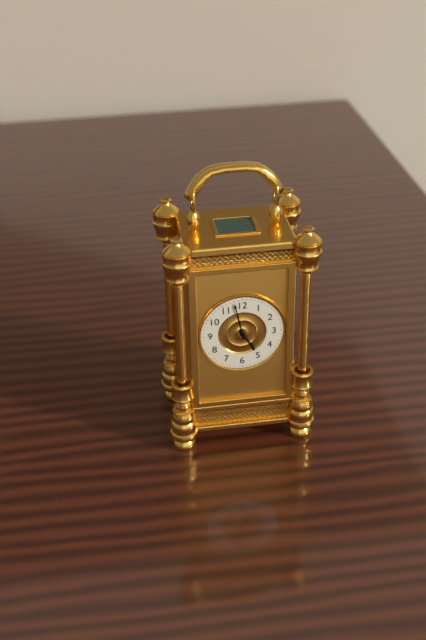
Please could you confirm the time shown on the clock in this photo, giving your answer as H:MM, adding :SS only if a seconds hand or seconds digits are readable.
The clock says 4:58
